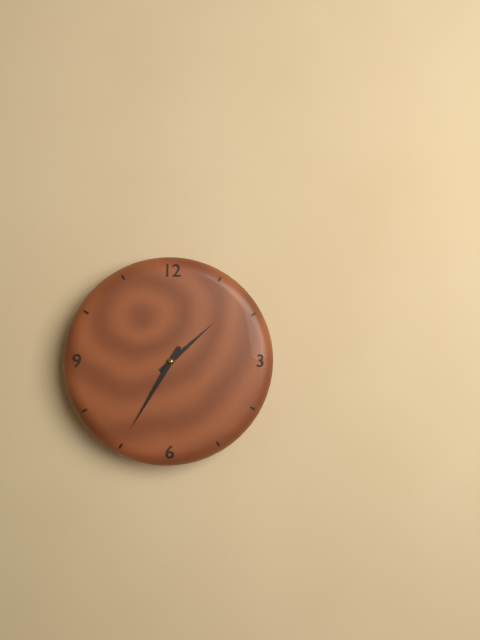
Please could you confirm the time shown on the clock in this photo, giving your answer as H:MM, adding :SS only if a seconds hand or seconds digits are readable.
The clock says 1:35
